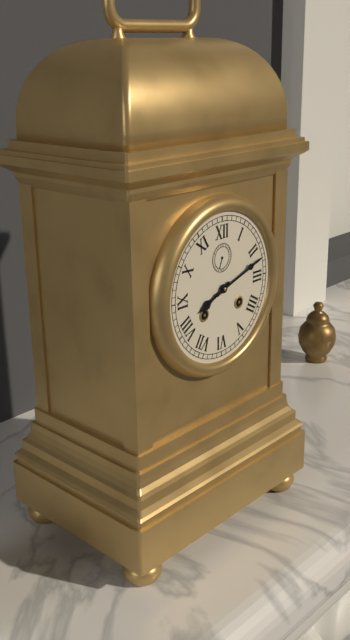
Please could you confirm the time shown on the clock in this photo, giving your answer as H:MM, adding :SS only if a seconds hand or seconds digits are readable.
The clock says 8:12
